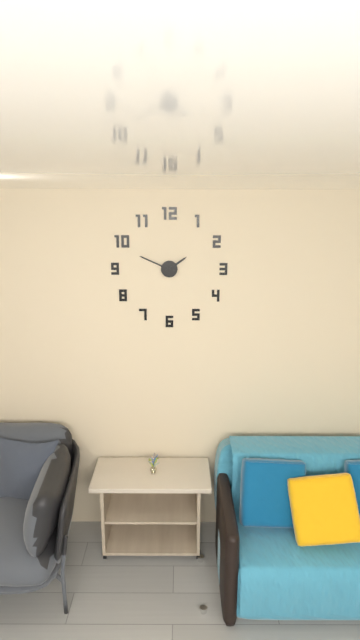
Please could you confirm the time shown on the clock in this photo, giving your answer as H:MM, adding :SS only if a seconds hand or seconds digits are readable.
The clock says 1:49
